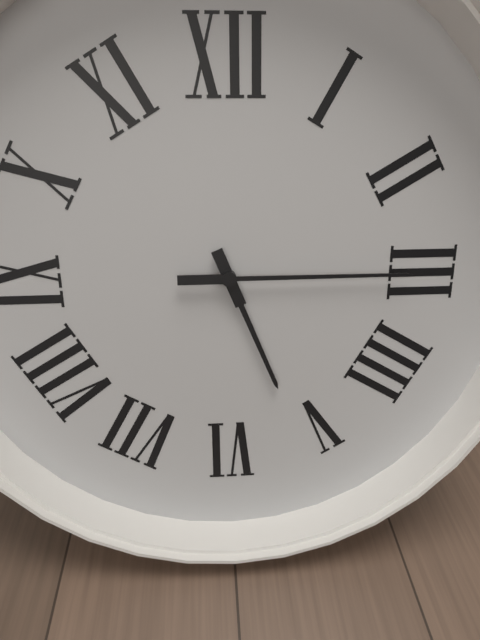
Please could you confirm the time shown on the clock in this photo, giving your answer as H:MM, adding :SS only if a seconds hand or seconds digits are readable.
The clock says 5:15
